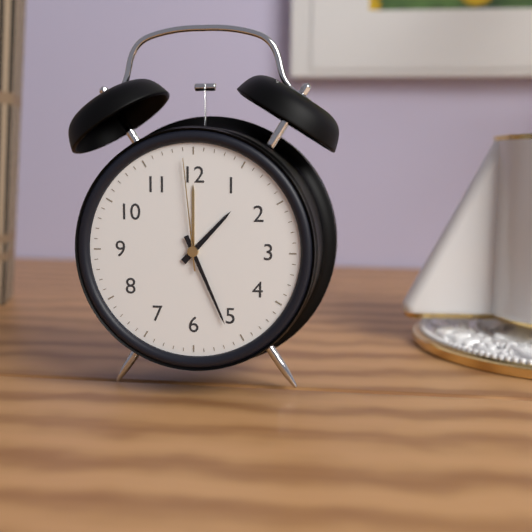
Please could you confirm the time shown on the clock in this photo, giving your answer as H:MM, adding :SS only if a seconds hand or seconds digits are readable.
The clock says 1:26:59
